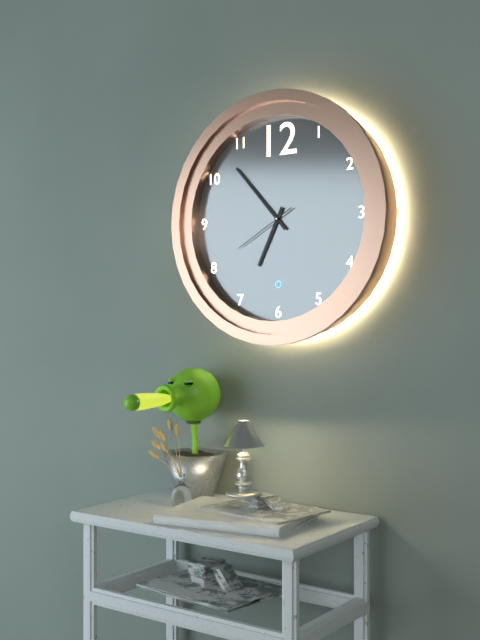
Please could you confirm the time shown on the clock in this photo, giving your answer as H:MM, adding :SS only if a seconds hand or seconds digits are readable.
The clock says 6:53:40
